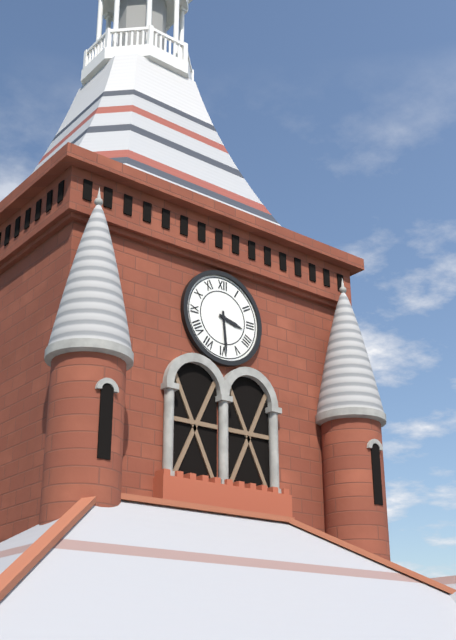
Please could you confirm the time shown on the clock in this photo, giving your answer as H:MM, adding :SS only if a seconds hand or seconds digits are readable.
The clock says 3:29
